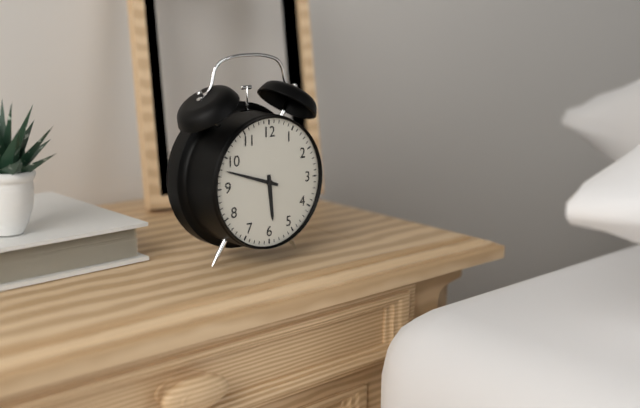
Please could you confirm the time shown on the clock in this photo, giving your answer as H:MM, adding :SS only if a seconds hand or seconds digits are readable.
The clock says 5:48
